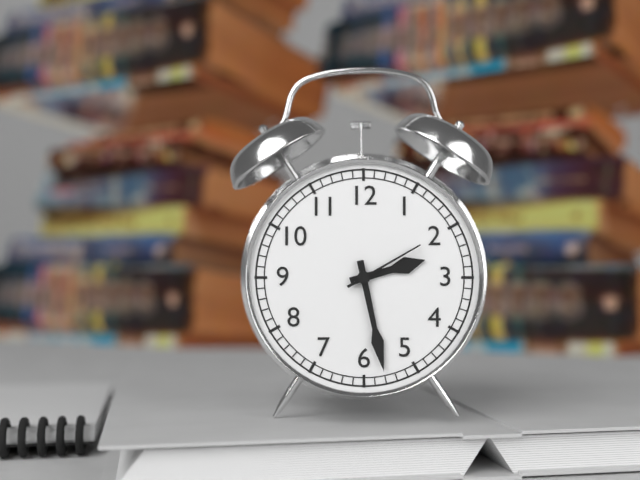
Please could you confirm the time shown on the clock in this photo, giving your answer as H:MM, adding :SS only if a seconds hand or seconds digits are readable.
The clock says 2:28:10
